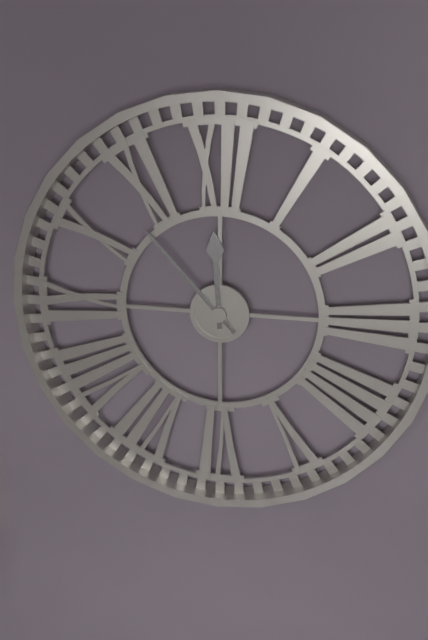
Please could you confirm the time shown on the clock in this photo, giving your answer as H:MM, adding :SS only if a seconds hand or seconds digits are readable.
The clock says 11:53
